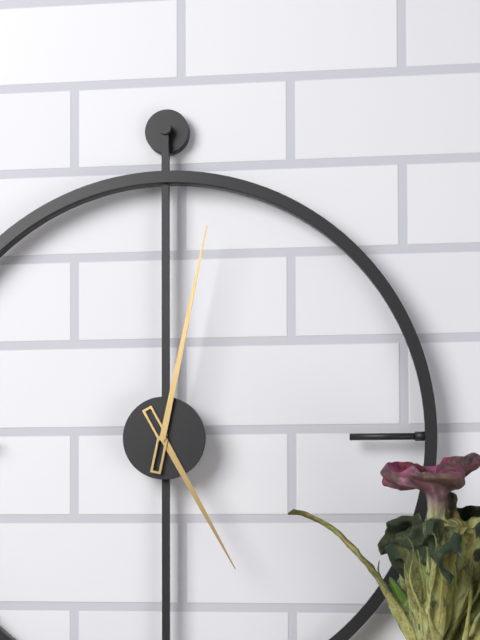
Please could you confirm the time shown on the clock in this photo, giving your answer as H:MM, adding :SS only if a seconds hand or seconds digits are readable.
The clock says 5:02
